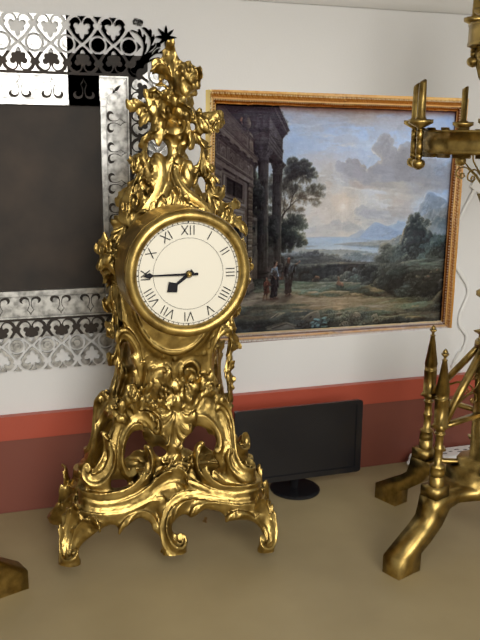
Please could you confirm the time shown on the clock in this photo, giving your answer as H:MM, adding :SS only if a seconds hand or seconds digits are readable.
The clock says 7:45
